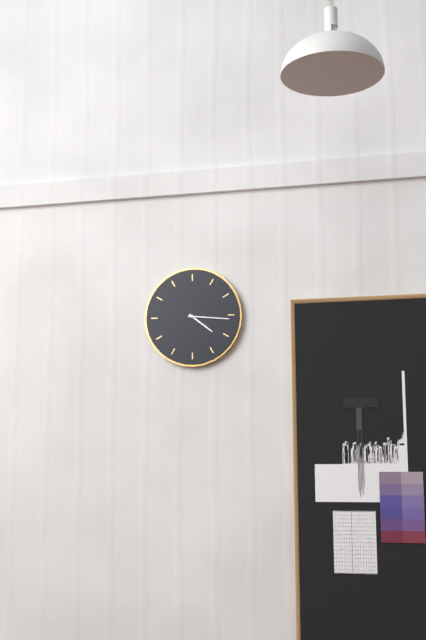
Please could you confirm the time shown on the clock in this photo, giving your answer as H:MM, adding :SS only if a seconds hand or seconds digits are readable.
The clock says 4:16
